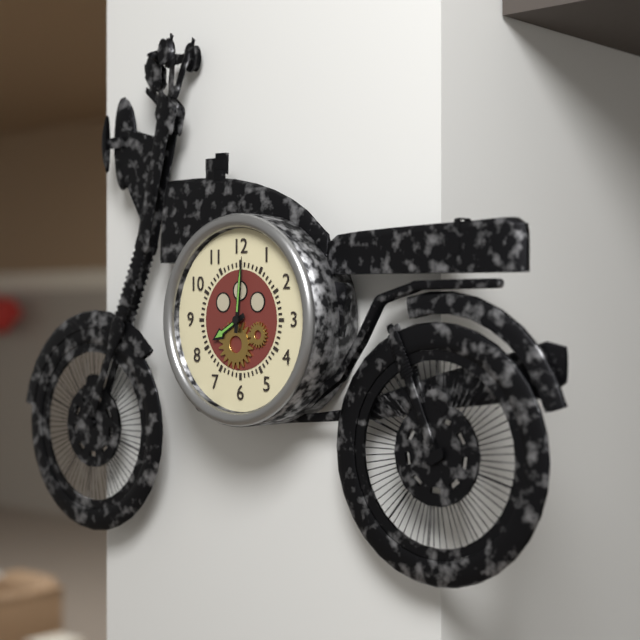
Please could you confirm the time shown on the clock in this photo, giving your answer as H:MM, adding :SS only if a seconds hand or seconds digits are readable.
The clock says 8:01
